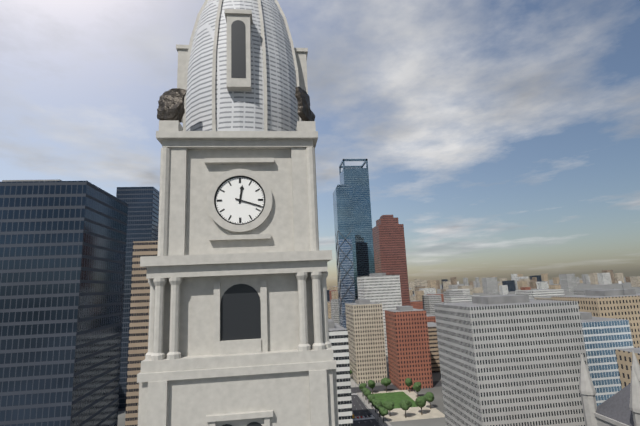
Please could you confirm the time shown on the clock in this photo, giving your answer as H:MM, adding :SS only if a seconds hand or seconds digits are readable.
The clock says 12:18
